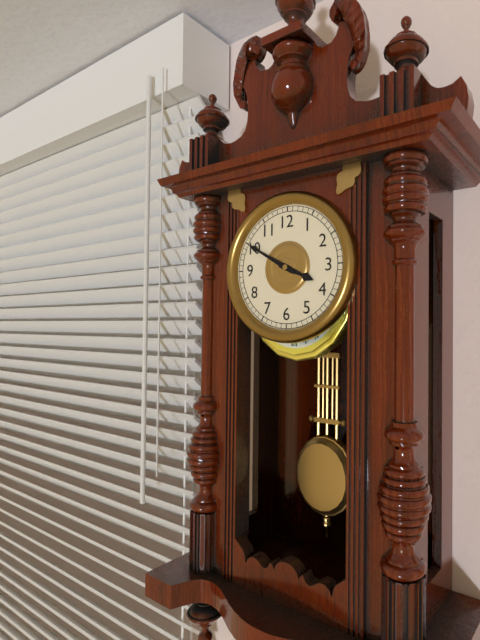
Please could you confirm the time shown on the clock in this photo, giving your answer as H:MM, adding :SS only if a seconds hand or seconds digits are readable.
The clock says 3:50
